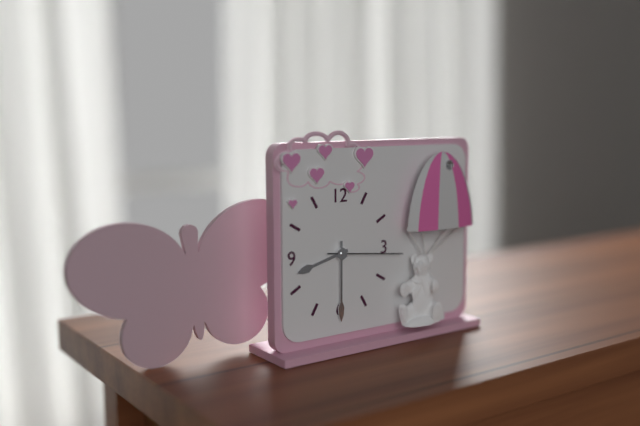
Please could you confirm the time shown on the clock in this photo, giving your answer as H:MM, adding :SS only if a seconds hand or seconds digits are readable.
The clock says 8:30:16
